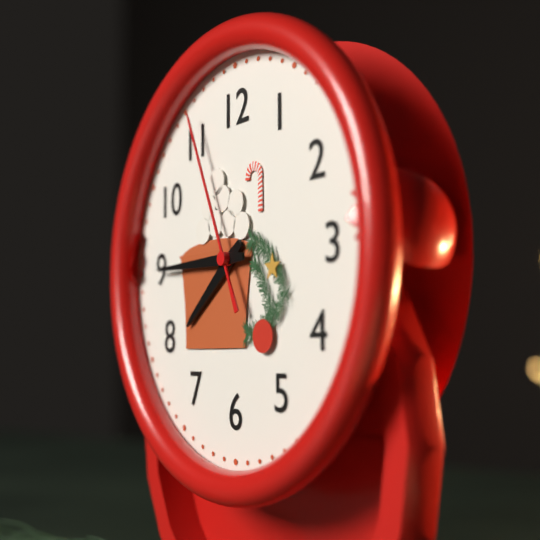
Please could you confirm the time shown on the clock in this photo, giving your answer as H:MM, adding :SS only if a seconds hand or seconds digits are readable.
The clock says 7:45:56
